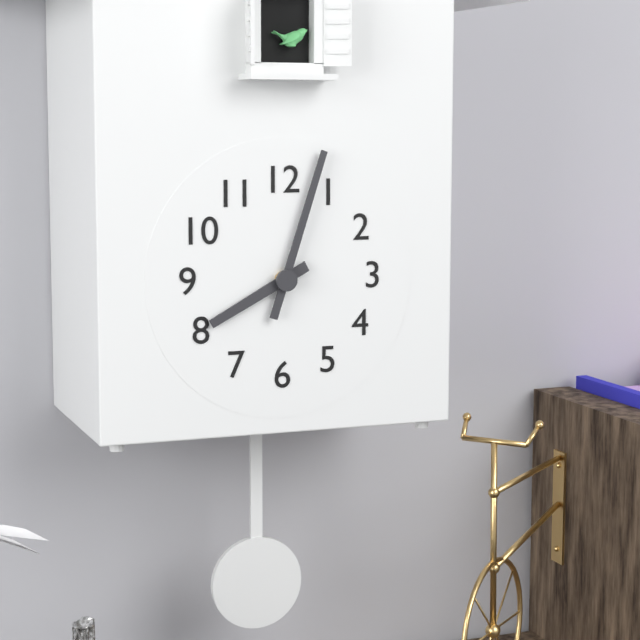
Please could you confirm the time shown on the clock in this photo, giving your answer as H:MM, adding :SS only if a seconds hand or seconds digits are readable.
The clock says 8:03
